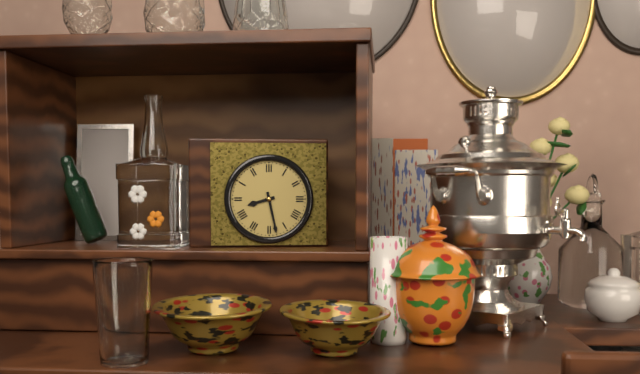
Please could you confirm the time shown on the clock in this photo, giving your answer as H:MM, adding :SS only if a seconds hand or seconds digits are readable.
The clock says 8:28
